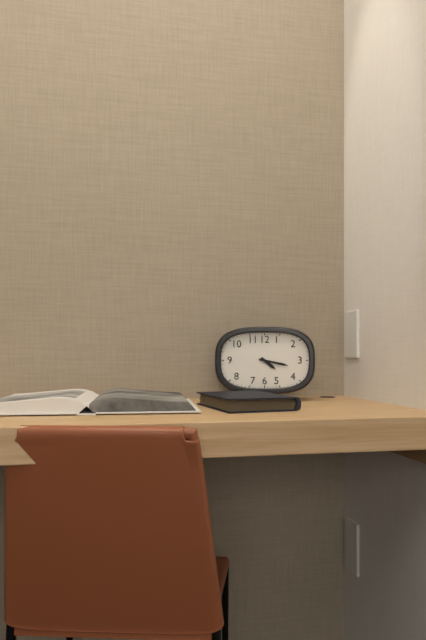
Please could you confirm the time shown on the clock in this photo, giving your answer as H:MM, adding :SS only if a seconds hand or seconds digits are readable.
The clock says 4:17
